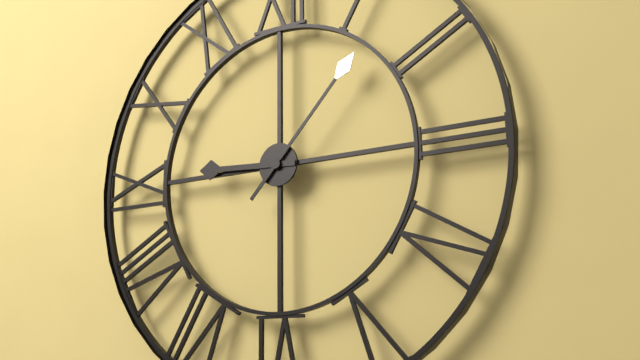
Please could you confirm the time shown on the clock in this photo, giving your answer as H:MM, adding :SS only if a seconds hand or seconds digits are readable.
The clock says 9:07
